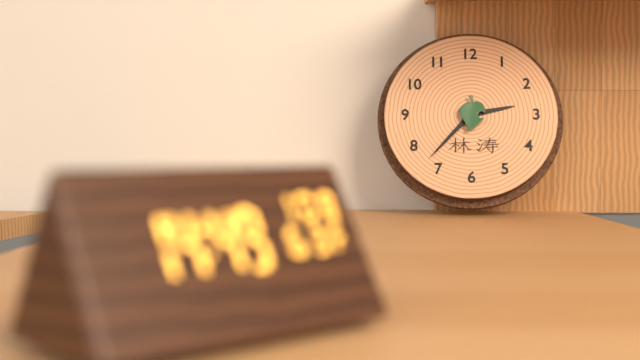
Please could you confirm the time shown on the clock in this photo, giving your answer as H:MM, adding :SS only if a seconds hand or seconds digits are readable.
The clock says 2:37
